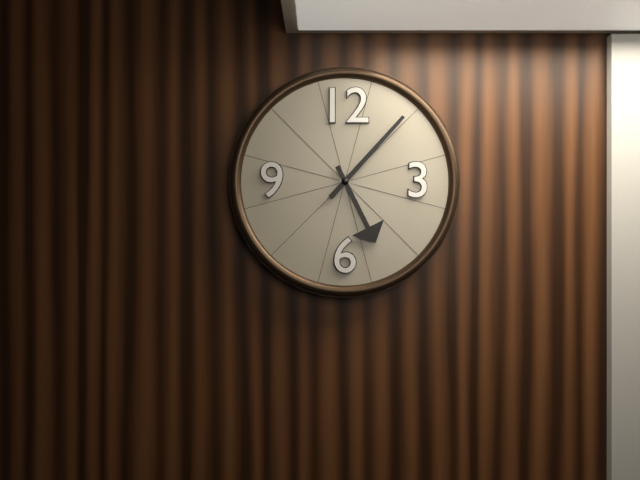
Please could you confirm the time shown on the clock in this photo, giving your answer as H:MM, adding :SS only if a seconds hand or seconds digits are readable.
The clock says 5:07
